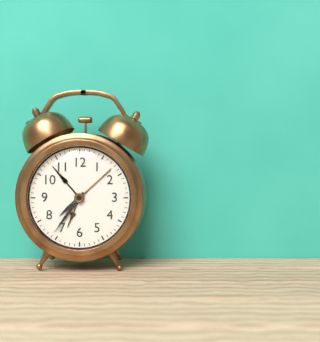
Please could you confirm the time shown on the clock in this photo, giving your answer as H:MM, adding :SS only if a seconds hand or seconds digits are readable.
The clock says 7:36
